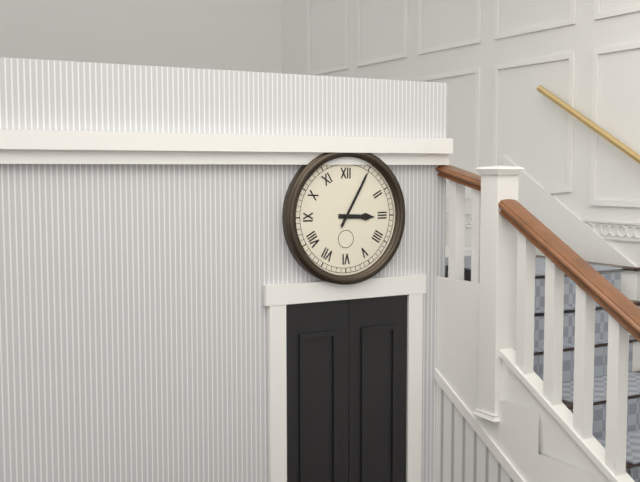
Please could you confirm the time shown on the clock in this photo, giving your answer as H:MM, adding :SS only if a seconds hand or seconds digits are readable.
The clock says 3:05
